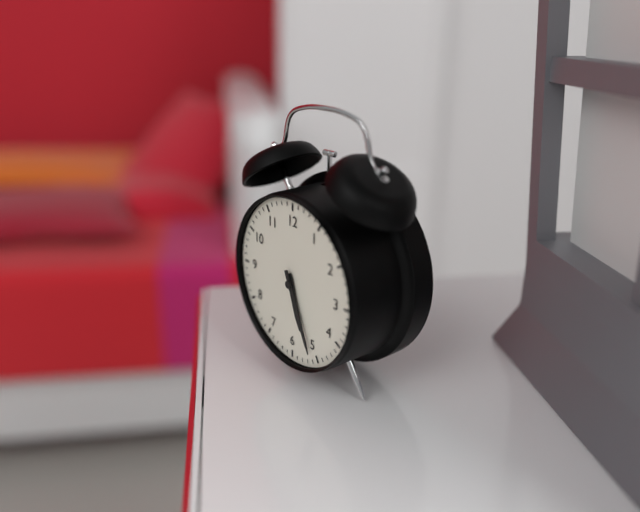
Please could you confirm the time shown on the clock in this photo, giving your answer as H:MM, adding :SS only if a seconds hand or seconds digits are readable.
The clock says 5:26
